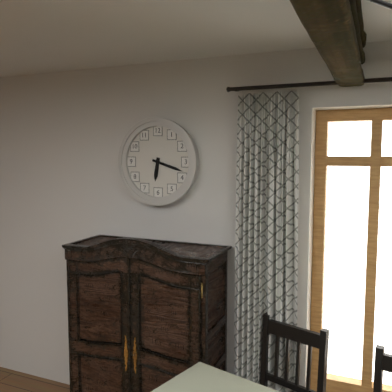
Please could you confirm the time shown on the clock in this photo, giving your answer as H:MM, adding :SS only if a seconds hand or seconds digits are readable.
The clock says 6:18
